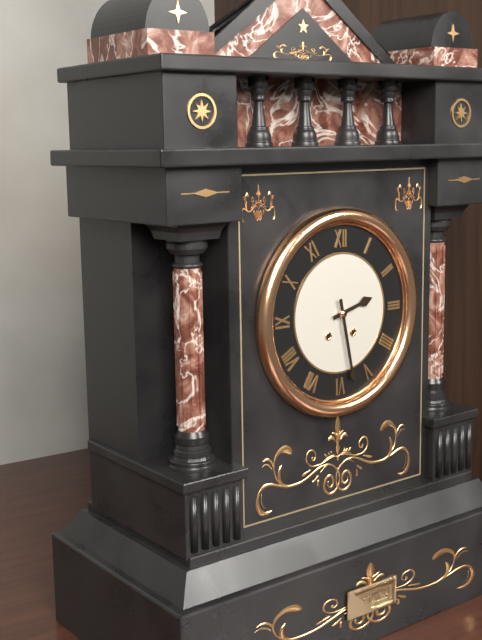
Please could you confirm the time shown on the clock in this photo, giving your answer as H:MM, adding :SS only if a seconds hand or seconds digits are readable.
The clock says 2:28
